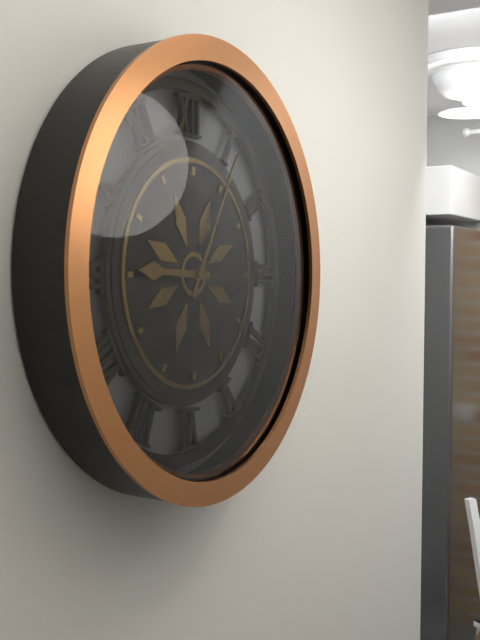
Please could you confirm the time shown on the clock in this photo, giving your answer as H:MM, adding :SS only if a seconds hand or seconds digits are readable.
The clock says 9:05
